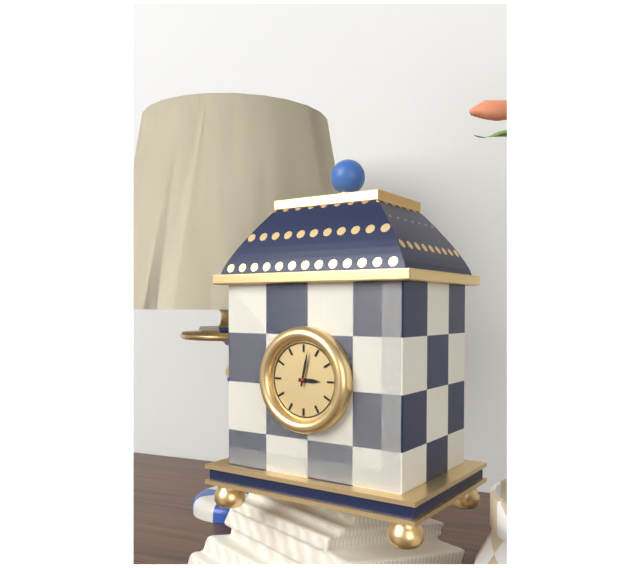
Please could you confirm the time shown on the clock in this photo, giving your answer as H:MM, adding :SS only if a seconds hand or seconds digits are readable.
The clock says 3:02
